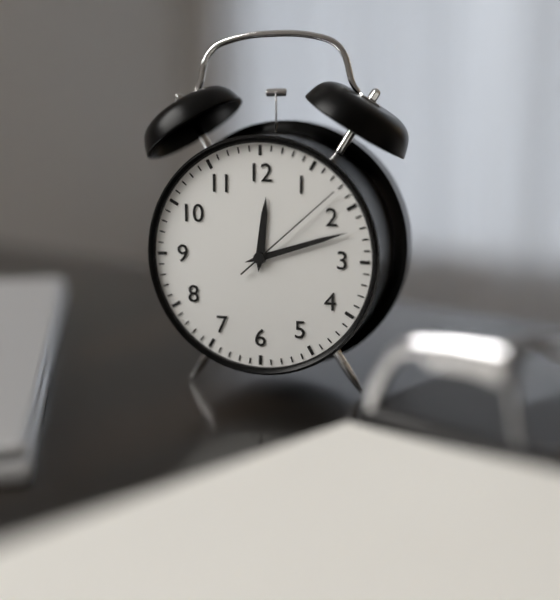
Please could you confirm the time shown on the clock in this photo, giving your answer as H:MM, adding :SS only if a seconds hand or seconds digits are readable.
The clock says 12:12:08
